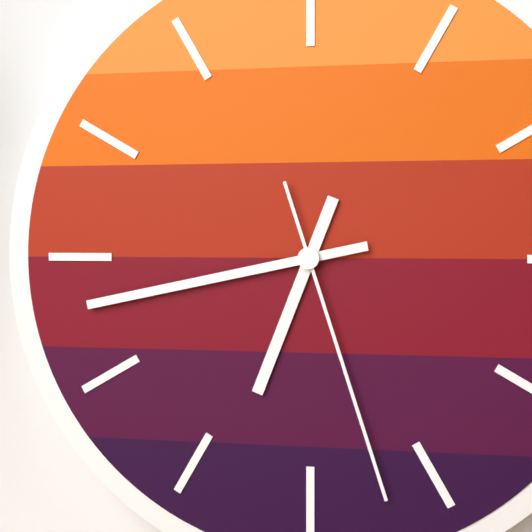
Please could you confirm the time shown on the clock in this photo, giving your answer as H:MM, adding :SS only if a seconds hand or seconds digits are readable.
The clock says 6:43:27
